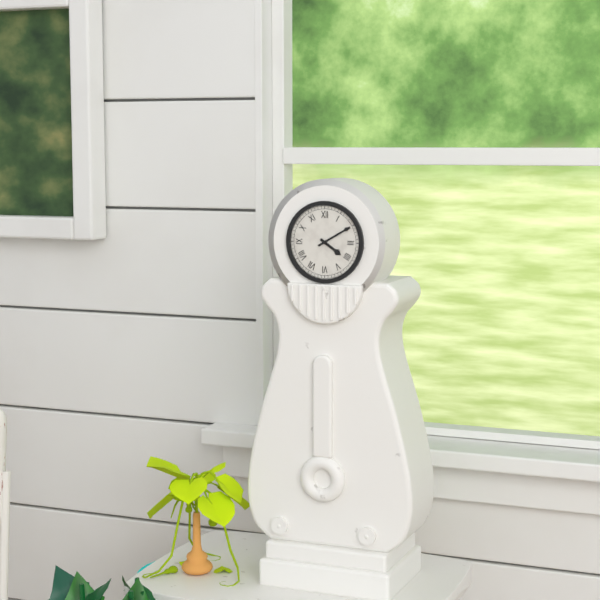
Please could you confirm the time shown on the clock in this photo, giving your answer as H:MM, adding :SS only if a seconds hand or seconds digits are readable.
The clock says 4:10
